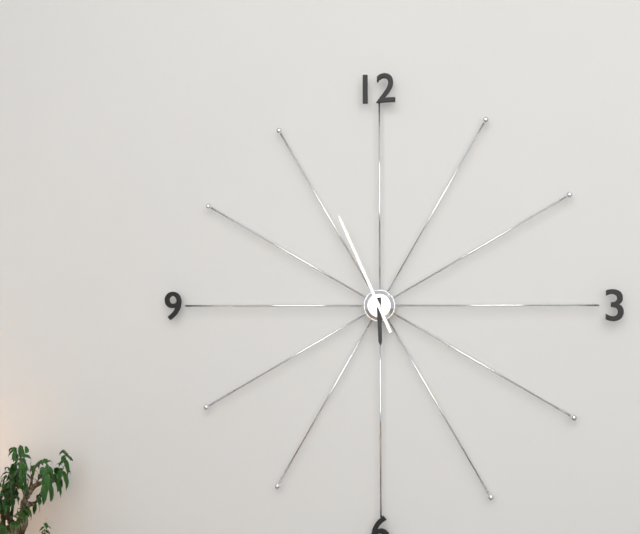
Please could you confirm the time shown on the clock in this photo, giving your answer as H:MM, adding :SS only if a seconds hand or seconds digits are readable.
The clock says 5:56
